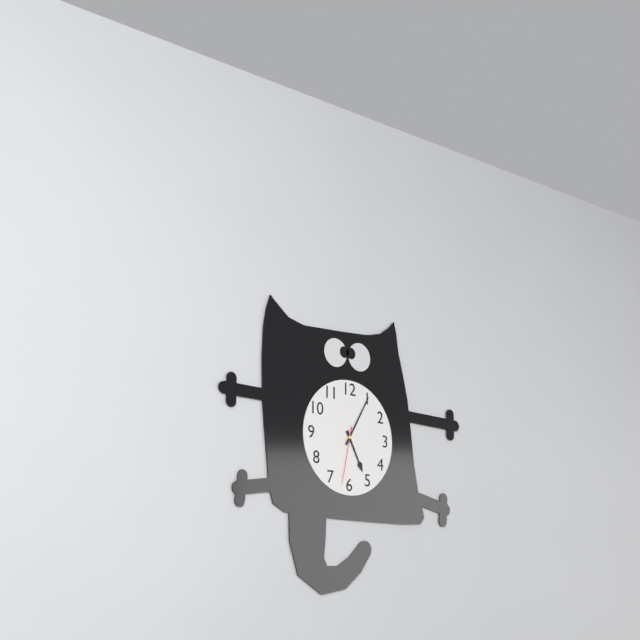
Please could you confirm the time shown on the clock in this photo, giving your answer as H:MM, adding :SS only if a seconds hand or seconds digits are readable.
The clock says 5:05:32
